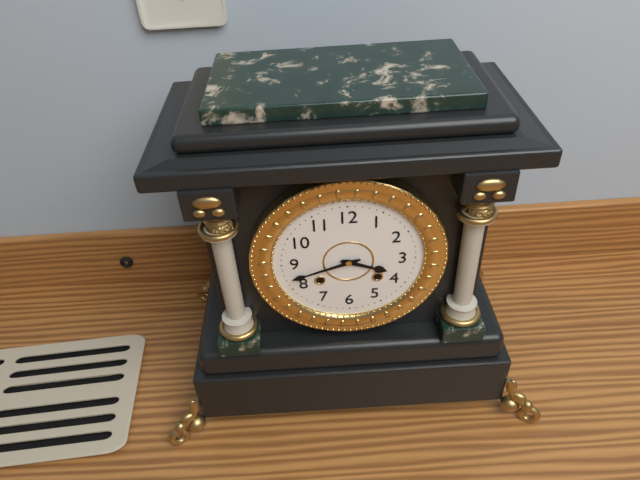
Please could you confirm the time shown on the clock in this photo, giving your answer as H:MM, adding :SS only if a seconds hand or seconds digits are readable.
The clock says 3:42
